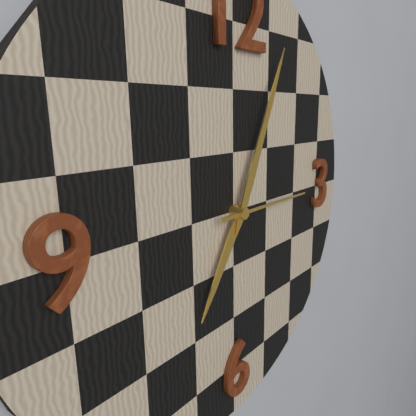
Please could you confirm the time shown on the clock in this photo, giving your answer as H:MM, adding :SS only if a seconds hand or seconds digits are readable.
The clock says 7:04:15
